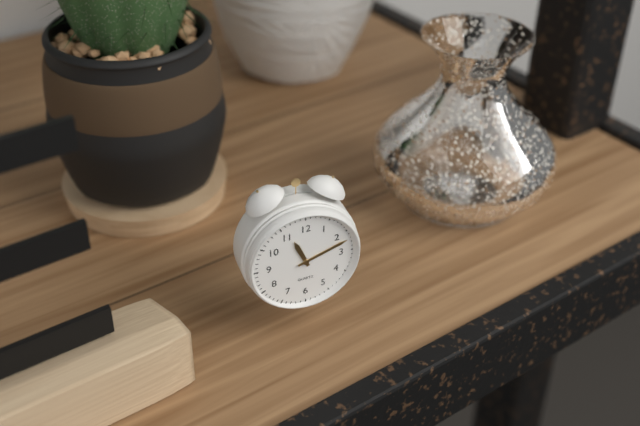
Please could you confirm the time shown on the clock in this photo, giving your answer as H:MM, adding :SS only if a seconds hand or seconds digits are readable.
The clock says 11:12
